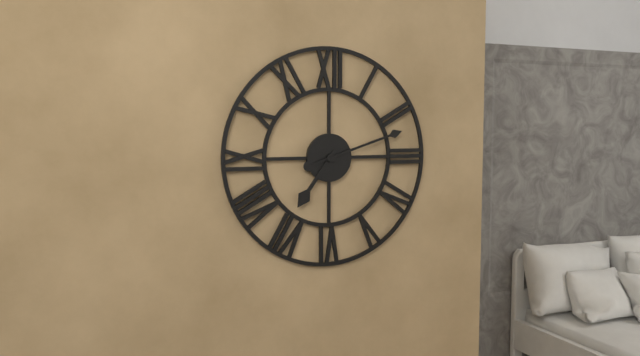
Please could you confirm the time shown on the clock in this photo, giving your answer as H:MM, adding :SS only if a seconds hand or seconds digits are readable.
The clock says 7:12
